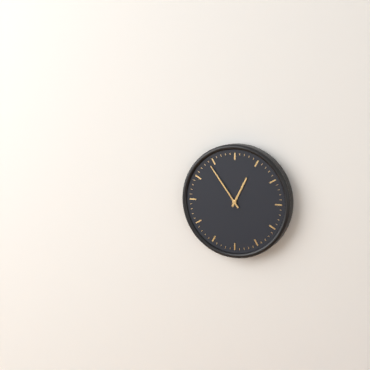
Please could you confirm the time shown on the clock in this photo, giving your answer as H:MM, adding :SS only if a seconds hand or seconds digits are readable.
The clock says 12:54
